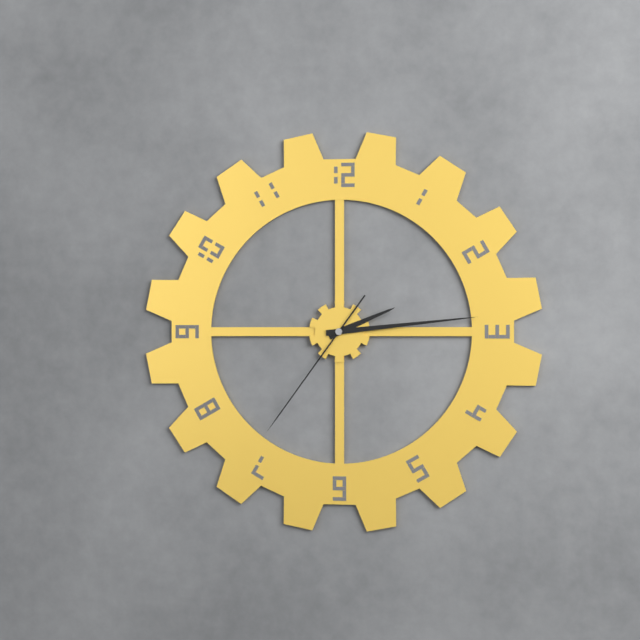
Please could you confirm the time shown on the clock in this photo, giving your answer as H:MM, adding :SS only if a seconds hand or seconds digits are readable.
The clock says 2:14:36
